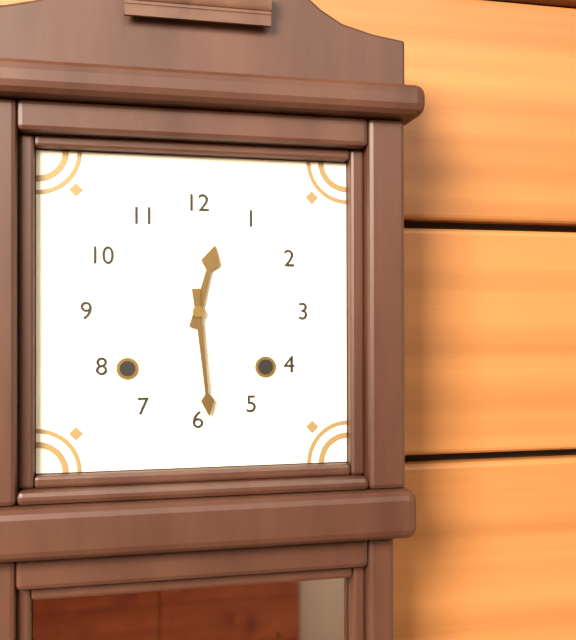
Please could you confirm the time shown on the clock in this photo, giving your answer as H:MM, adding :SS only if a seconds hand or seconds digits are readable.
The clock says 12:29
